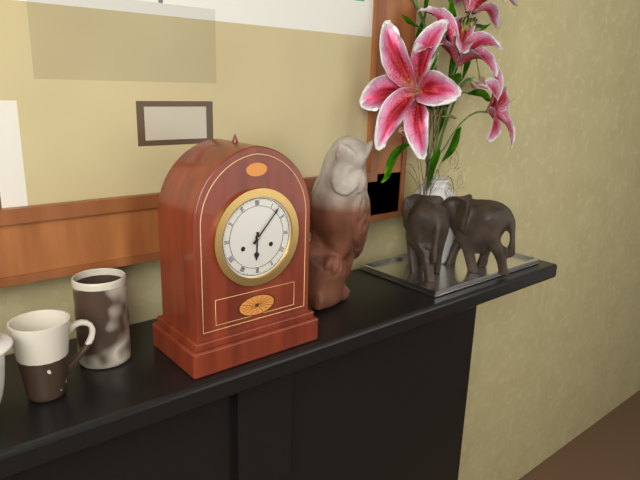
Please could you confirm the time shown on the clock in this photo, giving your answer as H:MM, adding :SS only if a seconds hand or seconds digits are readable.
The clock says 6:07
